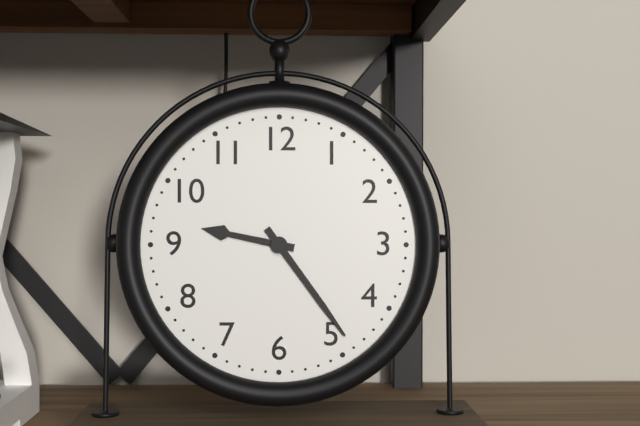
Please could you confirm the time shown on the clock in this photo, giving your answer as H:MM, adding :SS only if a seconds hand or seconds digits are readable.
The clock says 9:24
